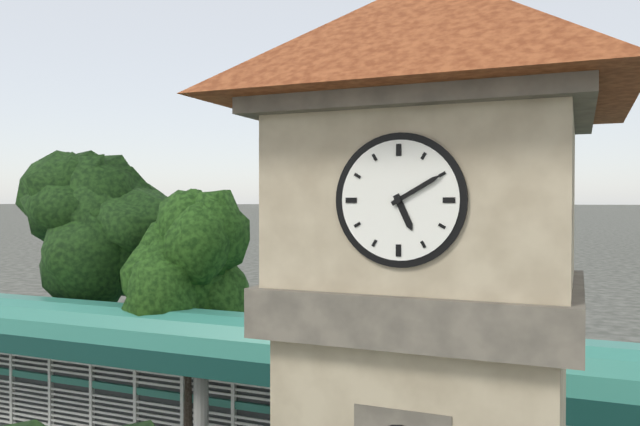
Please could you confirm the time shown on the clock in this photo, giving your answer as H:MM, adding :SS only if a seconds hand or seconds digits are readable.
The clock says 5:10
